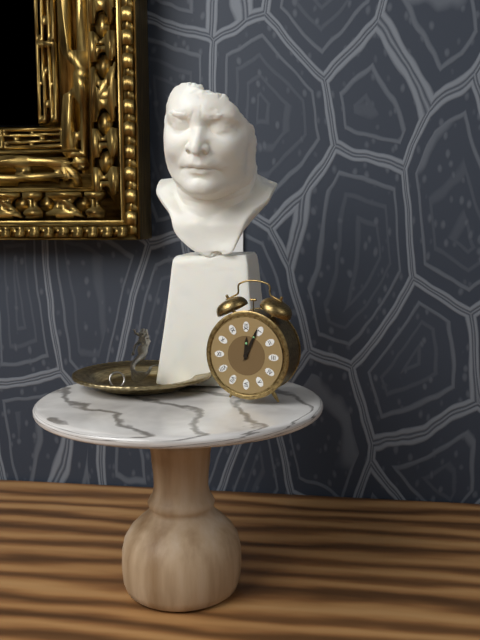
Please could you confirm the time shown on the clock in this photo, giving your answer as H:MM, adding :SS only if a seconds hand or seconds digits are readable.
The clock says 12:04
